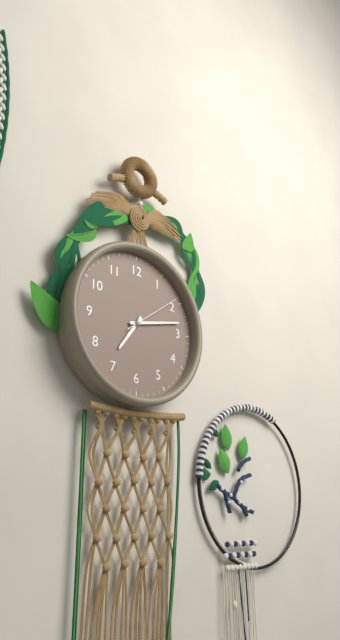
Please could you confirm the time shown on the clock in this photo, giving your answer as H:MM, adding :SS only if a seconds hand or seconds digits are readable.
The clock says 7:13:09
